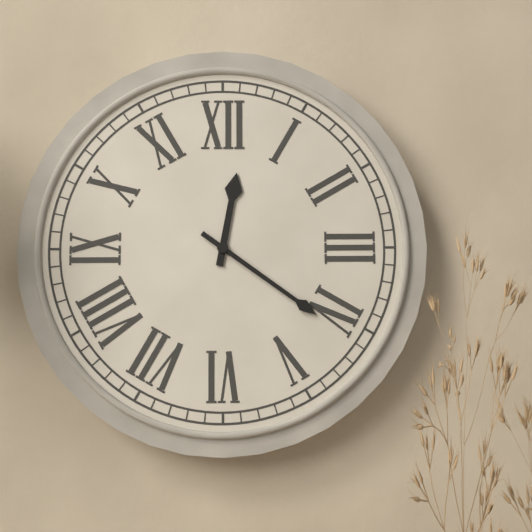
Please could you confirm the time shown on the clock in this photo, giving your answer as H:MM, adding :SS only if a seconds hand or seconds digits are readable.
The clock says 12:21
